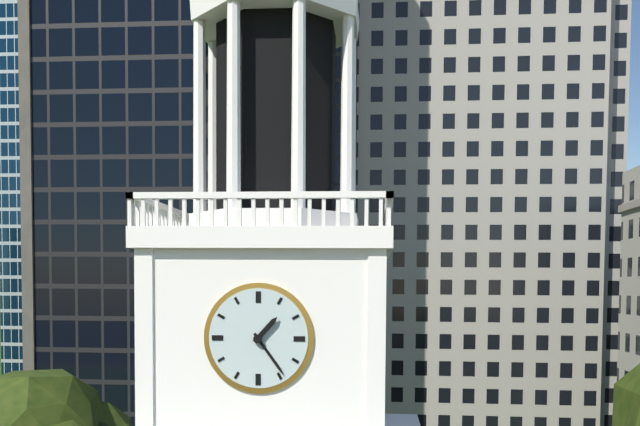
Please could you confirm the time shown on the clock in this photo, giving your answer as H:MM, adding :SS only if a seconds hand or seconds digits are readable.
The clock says 1:24
